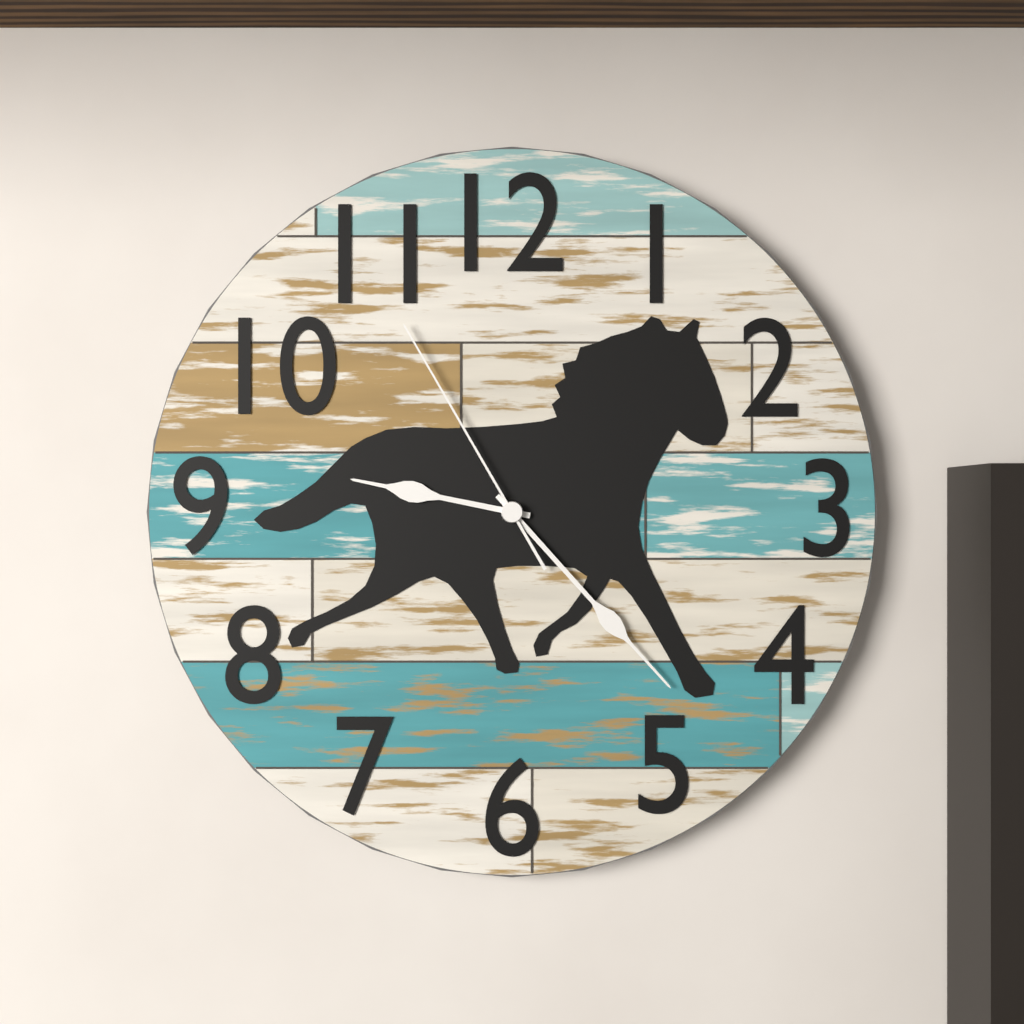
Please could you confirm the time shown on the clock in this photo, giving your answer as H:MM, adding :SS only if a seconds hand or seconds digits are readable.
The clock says 9:23:55
